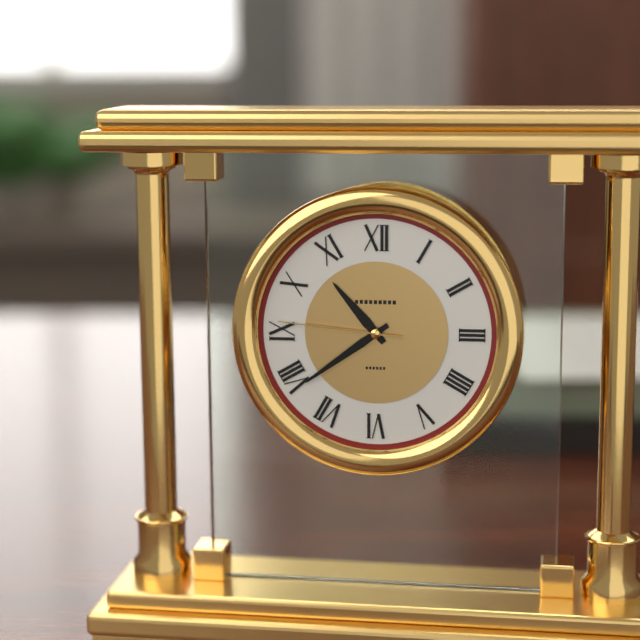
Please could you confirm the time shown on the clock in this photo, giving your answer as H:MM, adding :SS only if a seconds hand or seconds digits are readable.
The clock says 10:39:46
